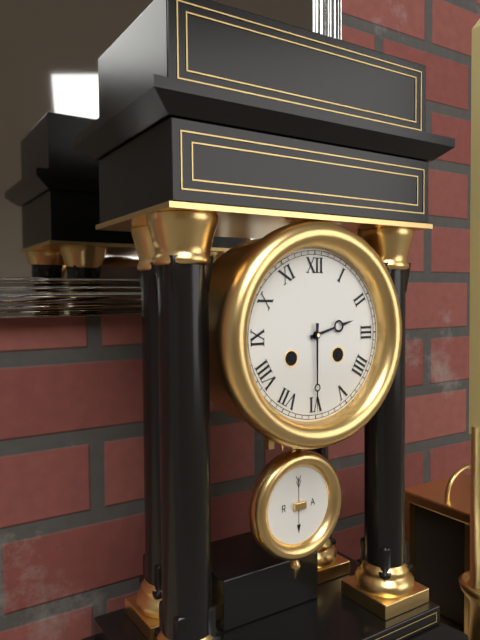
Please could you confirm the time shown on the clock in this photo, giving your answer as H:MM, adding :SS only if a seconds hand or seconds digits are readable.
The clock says 2:30
